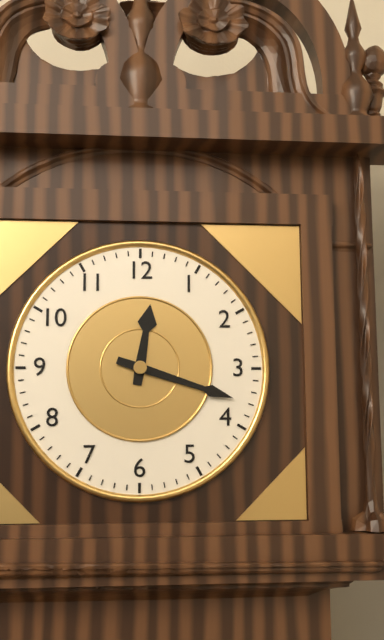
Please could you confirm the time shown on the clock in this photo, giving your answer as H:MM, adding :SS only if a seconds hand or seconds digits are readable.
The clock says 12:18
